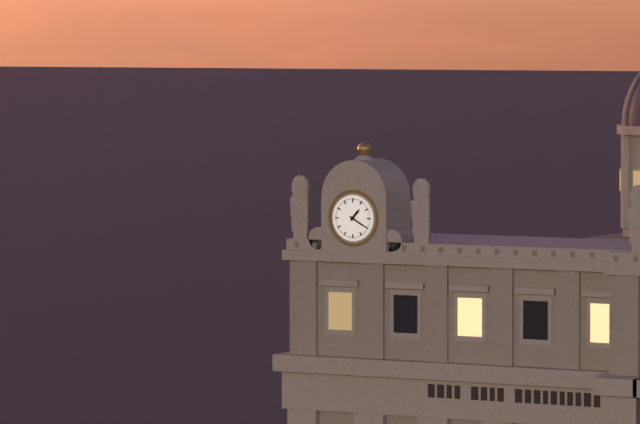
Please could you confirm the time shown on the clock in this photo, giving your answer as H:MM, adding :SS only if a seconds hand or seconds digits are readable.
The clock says 1:20
